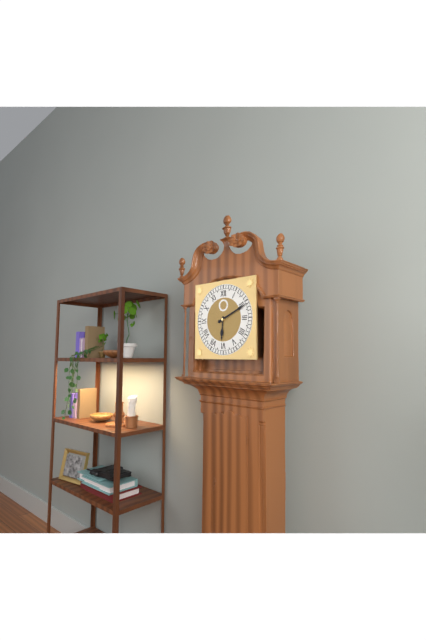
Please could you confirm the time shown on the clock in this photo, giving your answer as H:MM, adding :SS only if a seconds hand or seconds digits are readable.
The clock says 6:11
